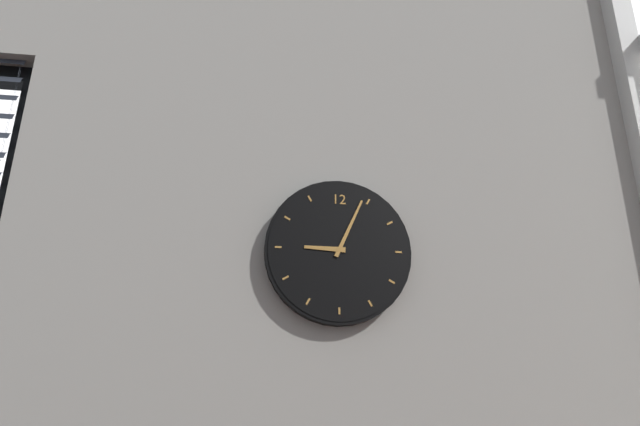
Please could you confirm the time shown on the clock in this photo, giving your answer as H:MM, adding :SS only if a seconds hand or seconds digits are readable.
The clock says 9:04
